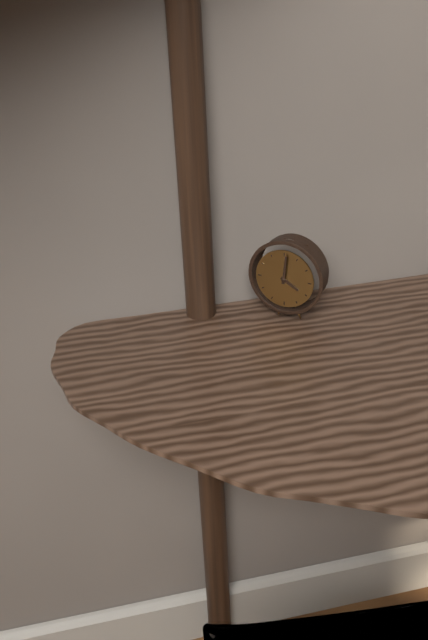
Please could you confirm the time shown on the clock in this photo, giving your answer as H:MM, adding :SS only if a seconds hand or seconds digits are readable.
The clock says 4:01
